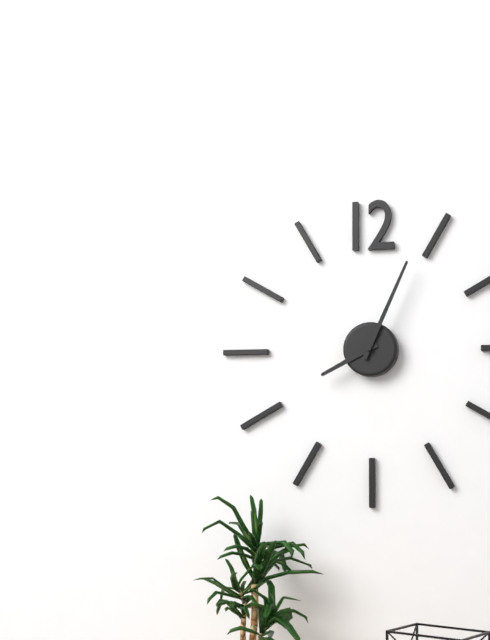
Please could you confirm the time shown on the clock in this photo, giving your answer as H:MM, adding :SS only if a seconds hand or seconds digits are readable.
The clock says 8:04
